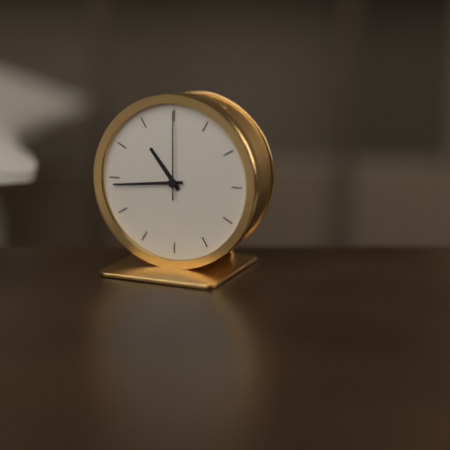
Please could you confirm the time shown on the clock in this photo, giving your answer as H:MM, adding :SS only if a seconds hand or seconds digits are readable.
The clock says 10:44:00
